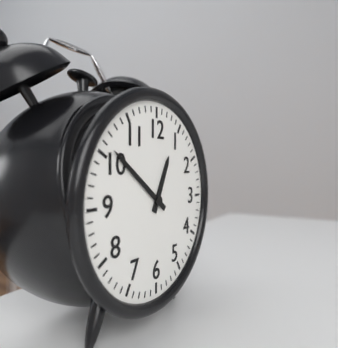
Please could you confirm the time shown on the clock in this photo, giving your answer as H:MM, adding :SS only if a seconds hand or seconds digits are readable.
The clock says 12:51
